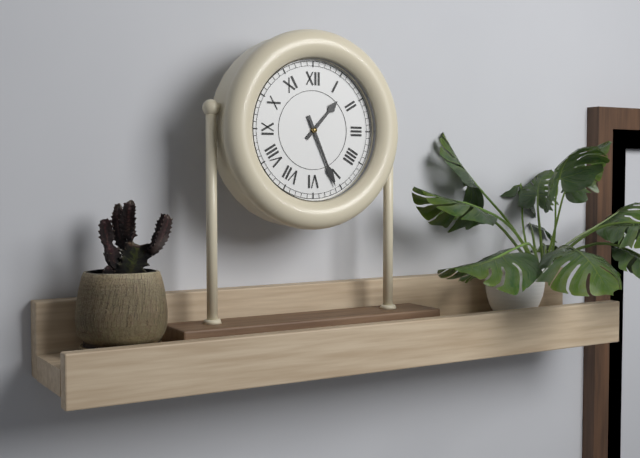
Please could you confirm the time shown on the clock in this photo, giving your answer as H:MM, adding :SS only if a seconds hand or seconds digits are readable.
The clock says 1:26
